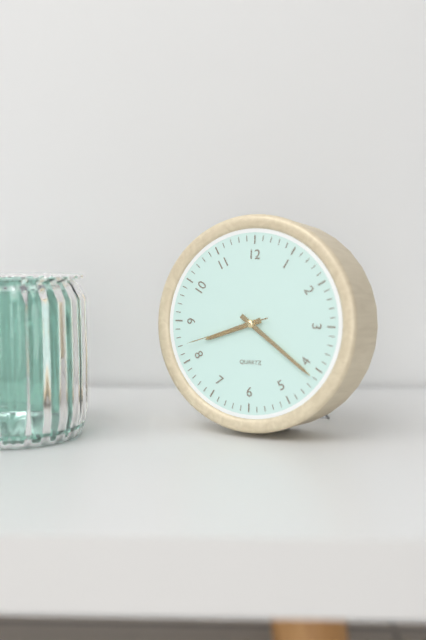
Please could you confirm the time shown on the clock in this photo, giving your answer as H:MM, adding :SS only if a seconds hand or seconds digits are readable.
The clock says 8:21:42
